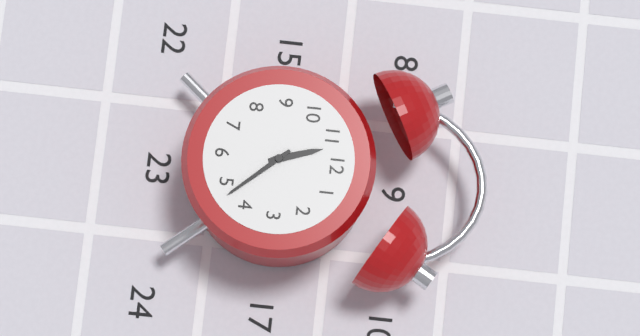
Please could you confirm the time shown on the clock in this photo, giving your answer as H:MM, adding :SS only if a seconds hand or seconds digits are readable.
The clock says 11:23
